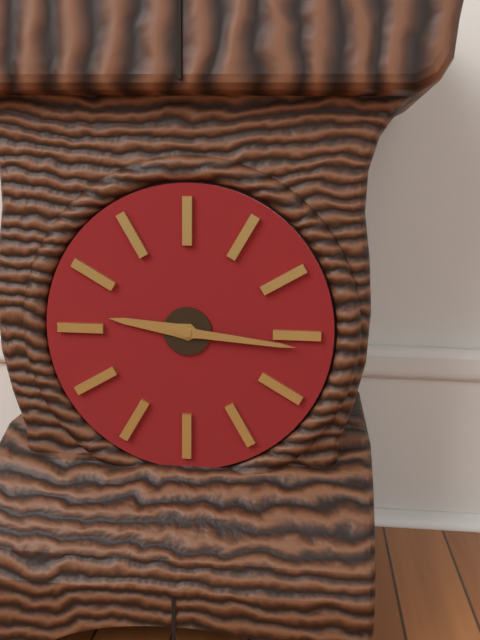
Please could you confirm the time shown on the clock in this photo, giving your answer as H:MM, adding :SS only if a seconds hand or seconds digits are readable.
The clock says 9:16
